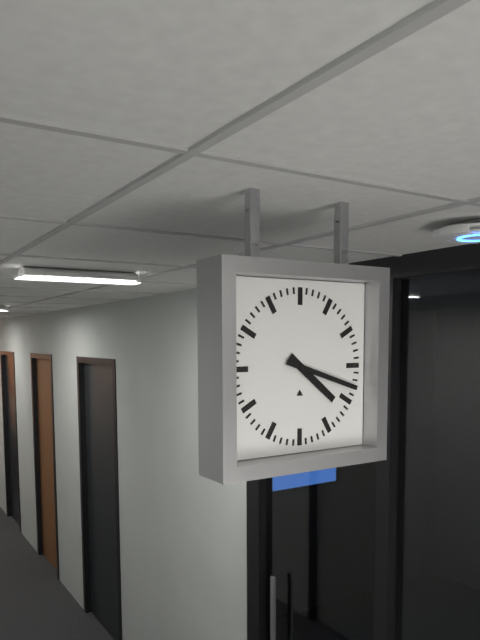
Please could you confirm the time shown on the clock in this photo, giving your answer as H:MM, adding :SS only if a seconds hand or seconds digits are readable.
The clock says 4:18
